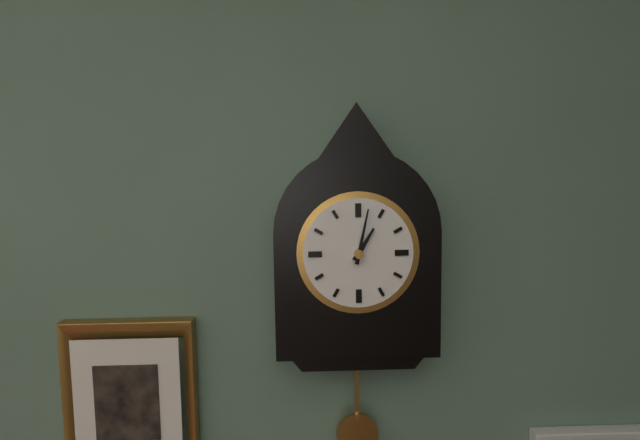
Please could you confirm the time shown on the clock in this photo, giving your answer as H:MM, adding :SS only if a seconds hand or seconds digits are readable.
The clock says 1:02
